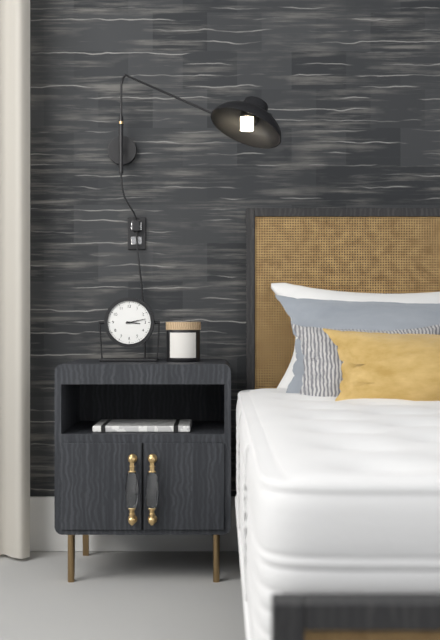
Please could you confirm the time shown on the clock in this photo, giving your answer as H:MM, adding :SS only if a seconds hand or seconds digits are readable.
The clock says 3:13
